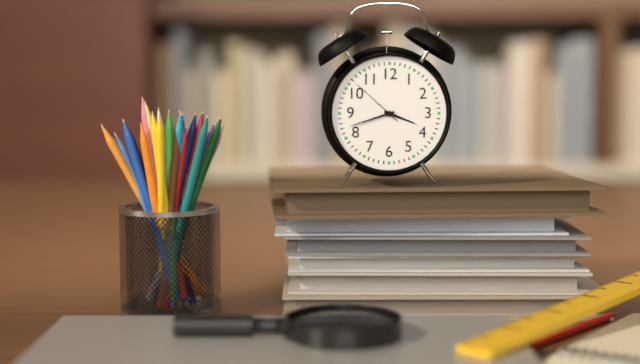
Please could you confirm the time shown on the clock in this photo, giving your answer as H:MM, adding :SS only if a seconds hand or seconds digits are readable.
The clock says 3:42:52
